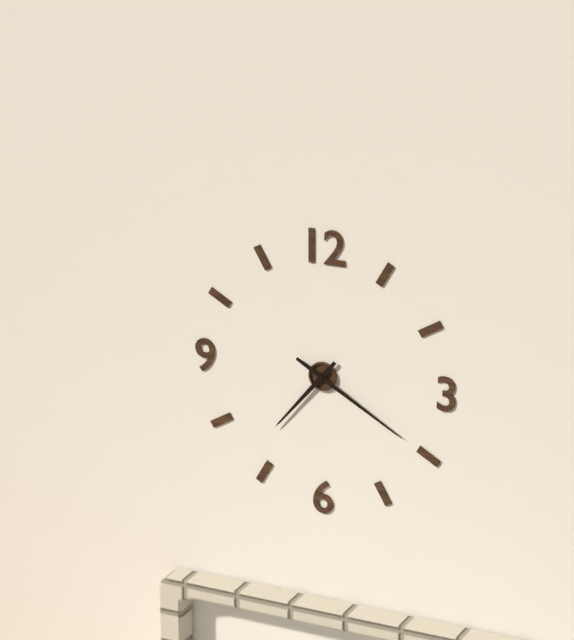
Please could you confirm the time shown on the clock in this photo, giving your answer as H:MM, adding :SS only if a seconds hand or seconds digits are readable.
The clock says 7:20
